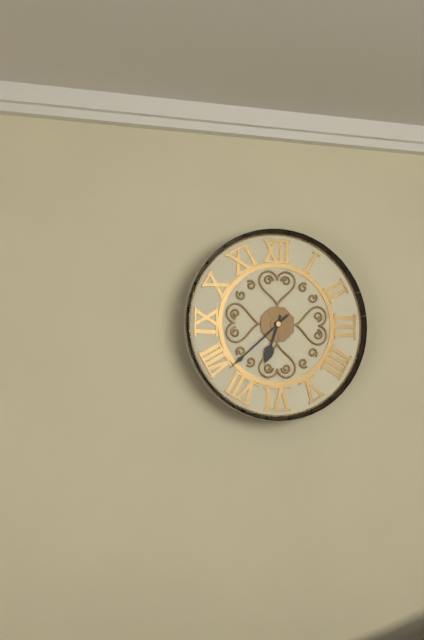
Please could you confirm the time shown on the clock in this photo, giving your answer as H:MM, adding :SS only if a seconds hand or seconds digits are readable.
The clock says 6:38
